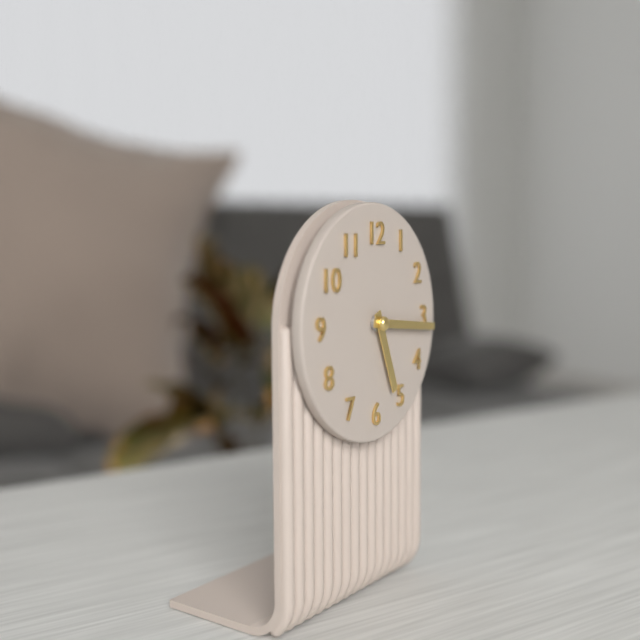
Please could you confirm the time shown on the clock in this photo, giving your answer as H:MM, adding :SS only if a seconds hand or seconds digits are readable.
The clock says 5:16
